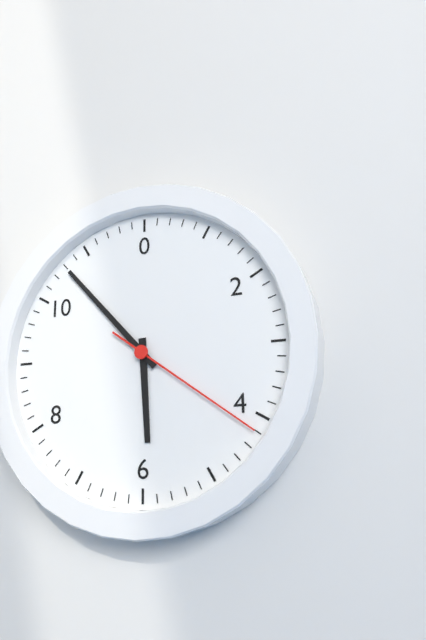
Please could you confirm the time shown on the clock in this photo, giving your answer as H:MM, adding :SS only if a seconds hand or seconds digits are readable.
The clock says 5:53:21
